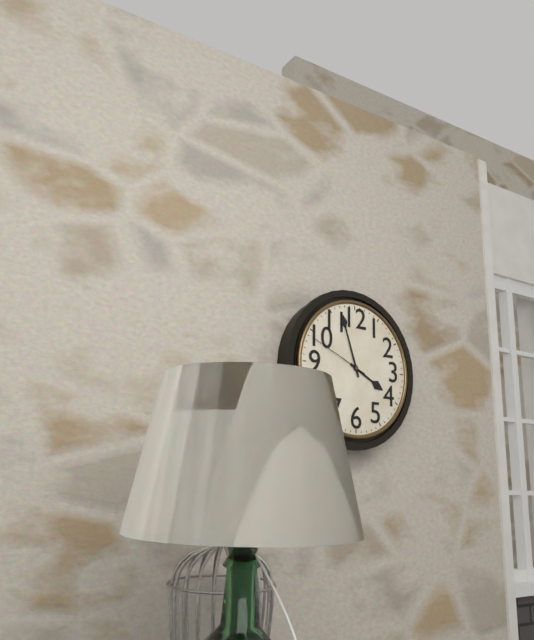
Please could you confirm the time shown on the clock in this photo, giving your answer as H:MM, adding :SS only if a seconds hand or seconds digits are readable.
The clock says 3:57:49
